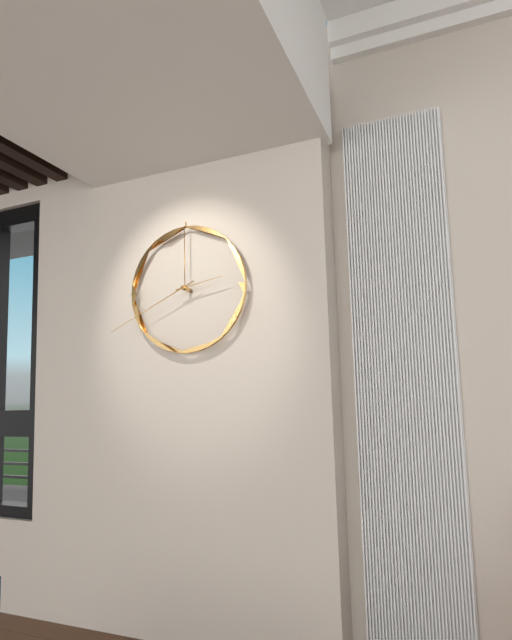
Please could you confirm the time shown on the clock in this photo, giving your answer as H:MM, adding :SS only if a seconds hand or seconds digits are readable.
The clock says 2:41
